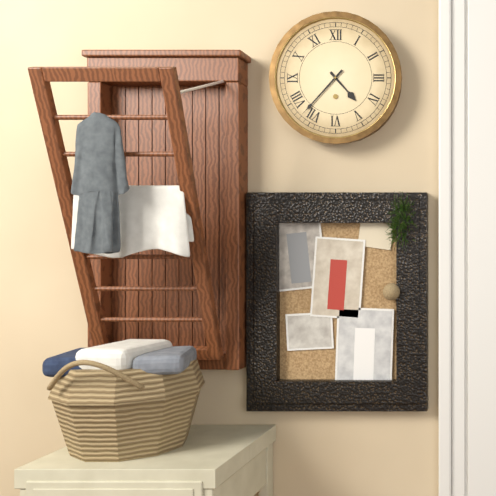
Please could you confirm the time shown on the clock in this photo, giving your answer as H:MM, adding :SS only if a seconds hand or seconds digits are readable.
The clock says 4:37
